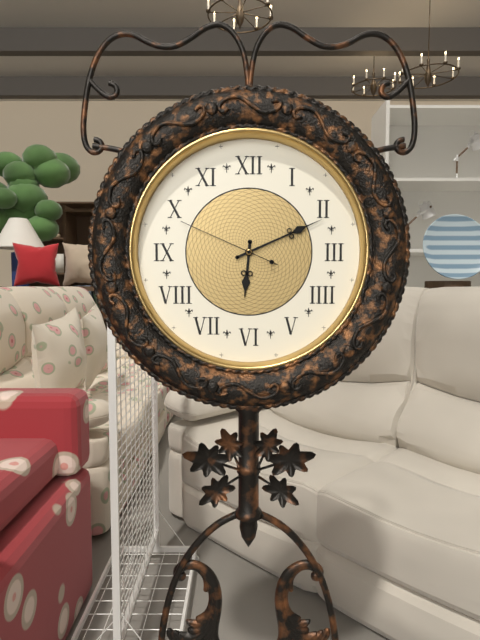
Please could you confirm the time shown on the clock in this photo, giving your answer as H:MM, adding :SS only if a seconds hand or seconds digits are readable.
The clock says 6:11:49
